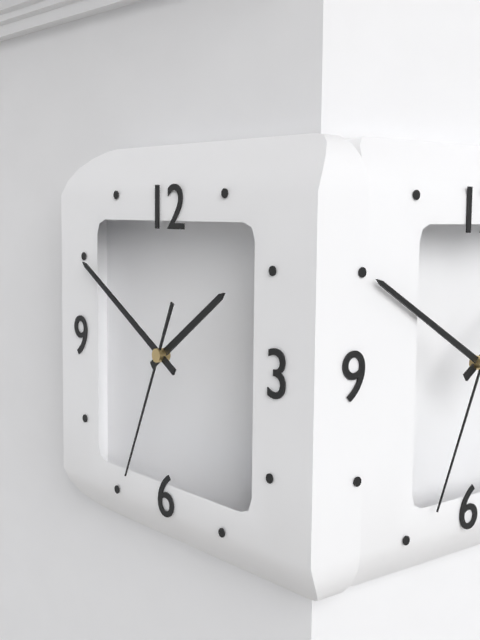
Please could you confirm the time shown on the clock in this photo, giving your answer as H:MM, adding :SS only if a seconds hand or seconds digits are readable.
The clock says 1:50:34
